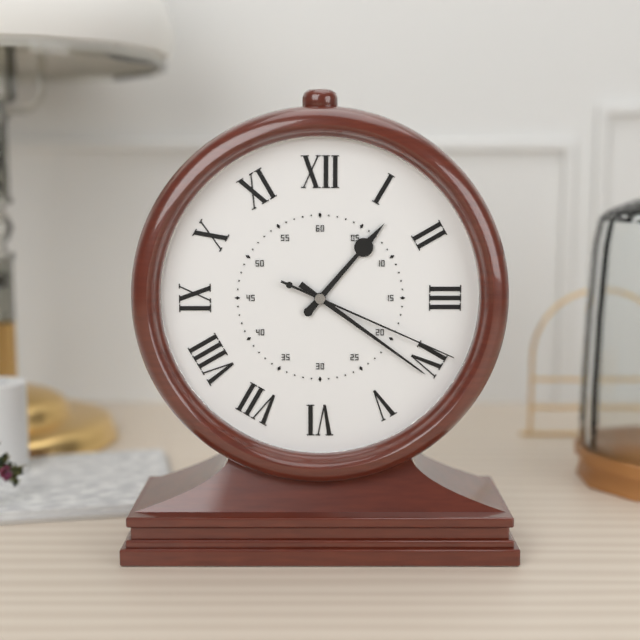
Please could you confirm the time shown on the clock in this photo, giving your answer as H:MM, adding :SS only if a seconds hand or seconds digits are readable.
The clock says 1:21:19
